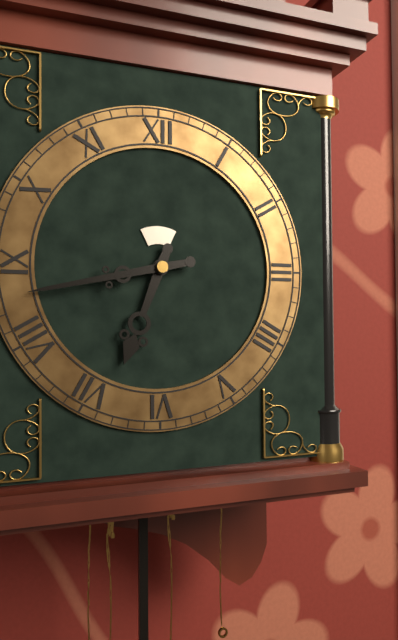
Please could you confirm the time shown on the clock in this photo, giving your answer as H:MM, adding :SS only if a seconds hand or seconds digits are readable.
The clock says 6:43
